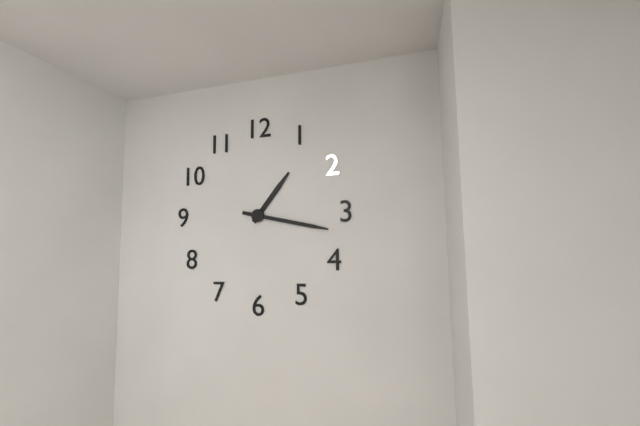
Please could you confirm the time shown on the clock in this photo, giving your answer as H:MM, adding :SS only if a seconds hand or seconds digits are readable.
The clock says 1:17
